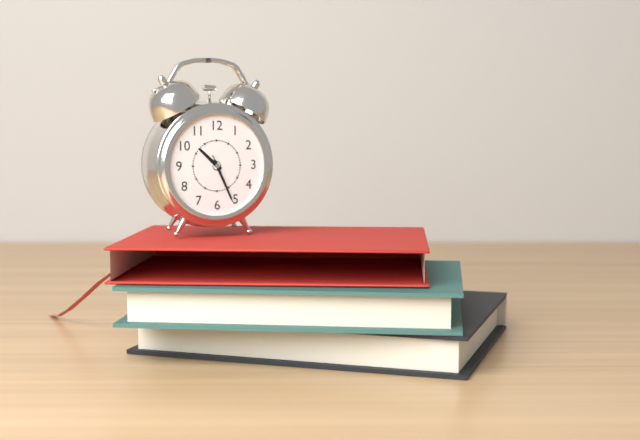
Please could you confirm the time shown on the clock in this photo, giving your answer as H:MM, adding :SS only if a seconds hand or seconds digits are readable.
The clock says 10:26:26
